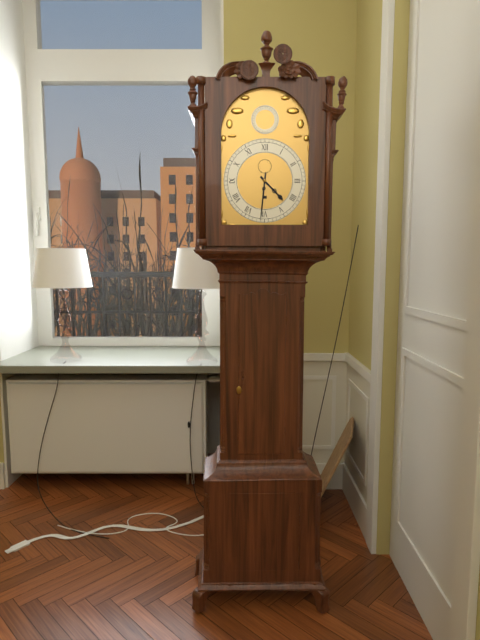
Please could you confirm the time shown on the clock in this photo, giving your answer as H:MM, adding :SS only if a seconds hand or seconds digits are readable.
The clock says 4:31
